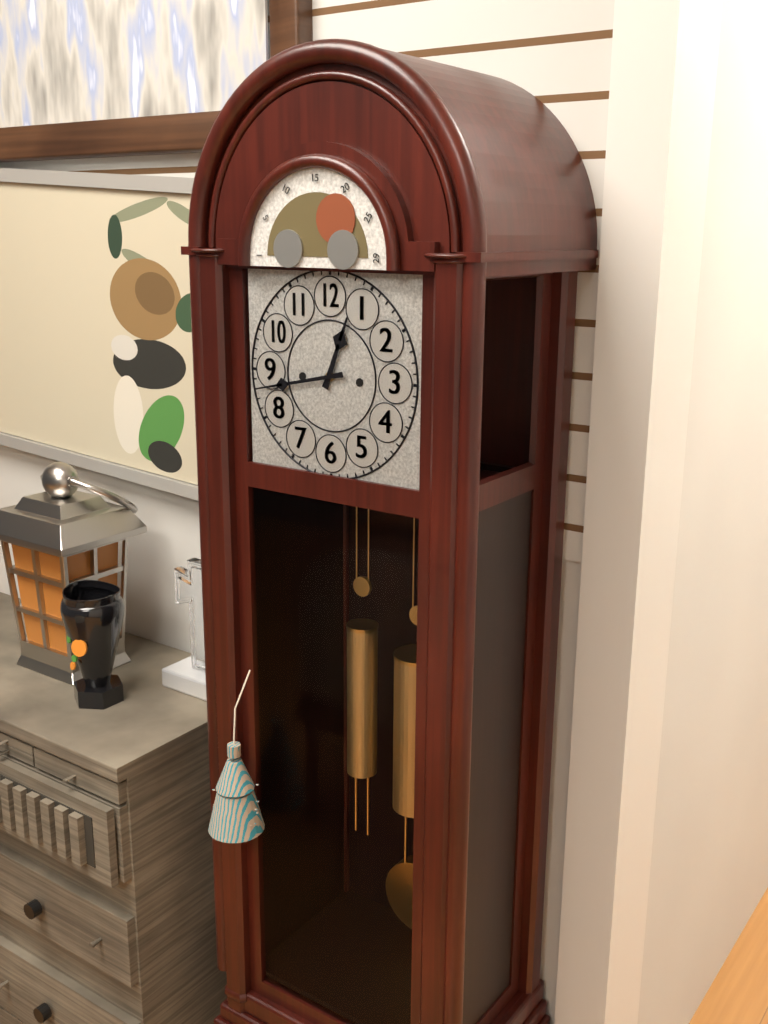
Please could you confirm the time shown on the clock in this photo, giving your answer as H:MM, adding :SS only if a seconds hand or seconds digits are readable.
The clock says 12:43
